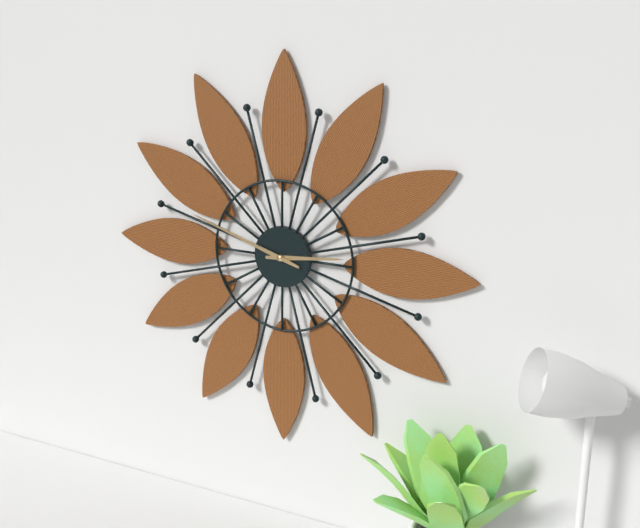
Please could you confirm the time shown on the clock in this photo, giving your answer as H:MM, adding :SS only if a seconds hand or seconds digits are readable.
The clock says 2:48
